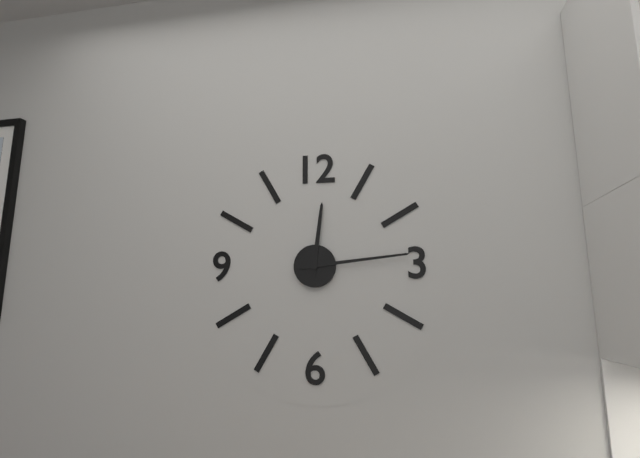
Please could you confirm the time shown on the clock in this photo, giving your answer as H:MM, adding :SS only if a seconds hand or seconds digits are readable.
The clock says 12:14
